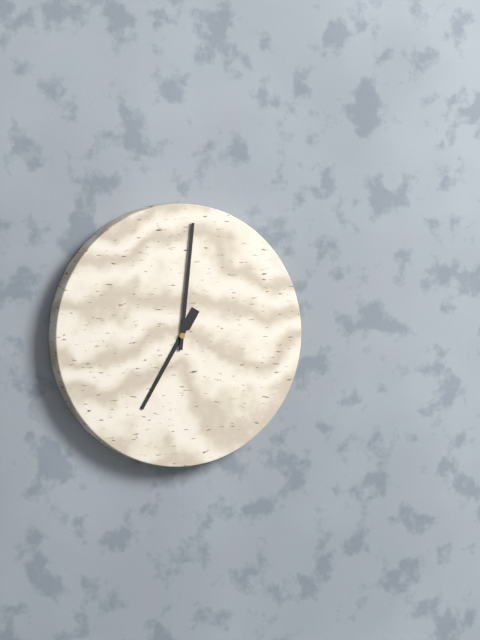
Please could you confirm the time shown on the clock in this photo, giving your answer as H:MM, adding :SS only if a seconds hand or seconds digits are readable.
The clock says 7:01
